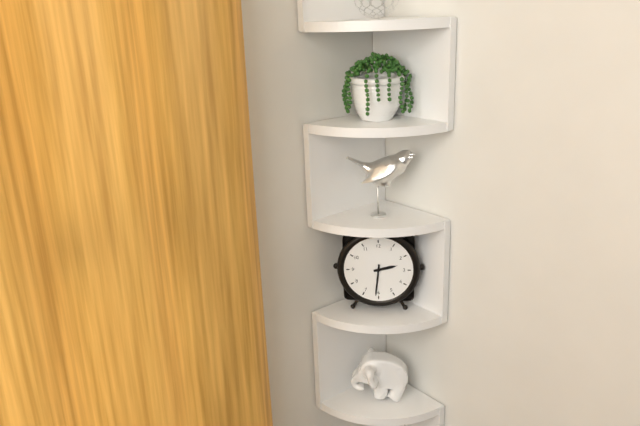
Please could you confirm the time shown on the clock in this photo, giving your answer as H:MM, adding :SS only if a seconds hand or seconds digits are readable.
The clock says 2:31
